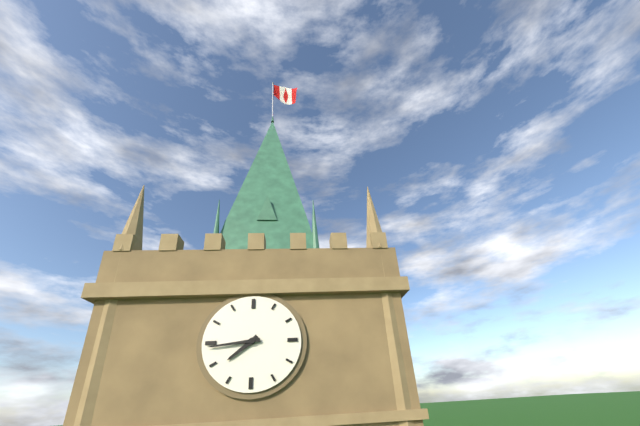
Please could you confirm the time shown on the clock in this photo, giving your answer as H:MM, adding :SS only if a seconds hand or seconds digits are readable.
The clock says 7:44
